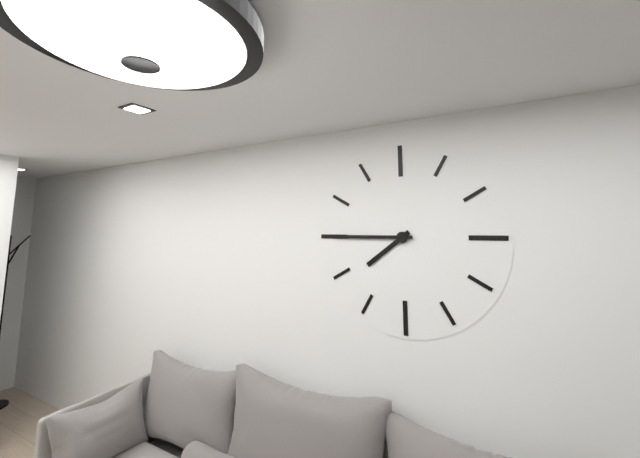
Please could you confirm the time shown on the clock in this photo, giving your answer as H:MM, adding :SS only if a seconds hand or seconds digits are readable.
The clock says 7:45
